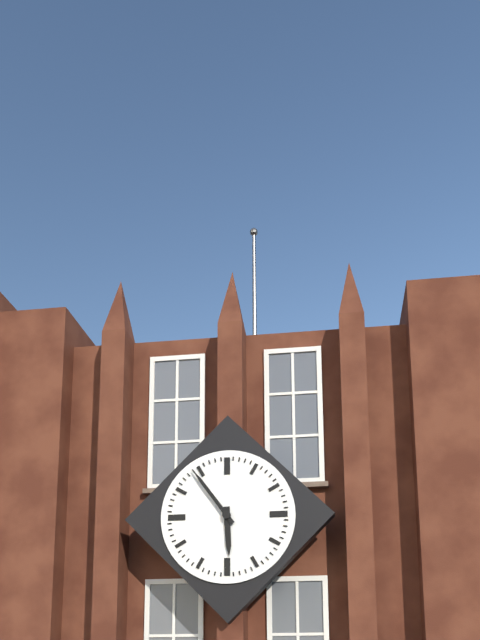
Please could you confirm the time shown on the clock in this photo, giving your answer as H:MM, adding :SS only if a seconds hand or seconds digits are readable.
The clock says 5:54
